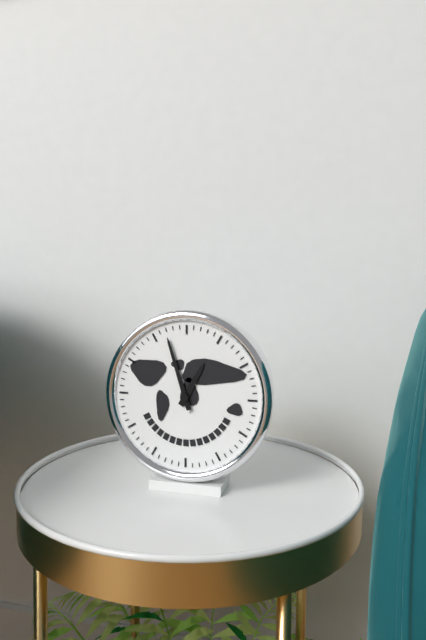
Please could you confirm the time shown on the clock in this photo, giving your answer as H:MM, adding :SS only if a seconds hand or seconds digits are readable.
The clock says 12:57
